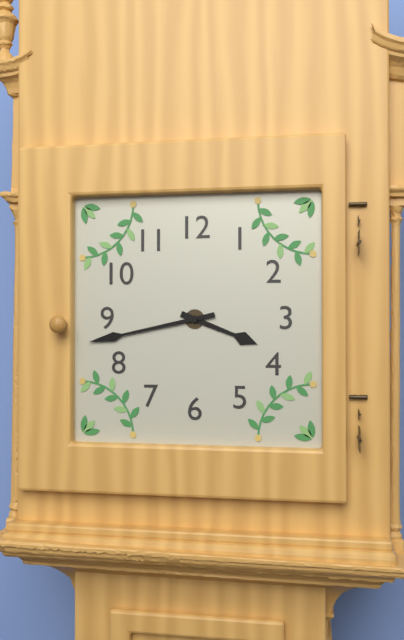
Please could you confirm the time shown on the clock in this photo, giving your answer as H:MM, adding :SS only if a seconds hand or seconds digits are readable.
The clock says 3:43
